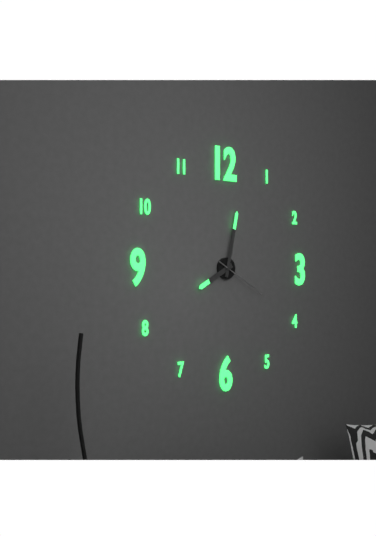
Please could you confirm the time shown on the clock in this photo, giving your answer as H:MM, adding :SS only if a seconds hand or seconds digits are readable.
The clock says 8:02:20
